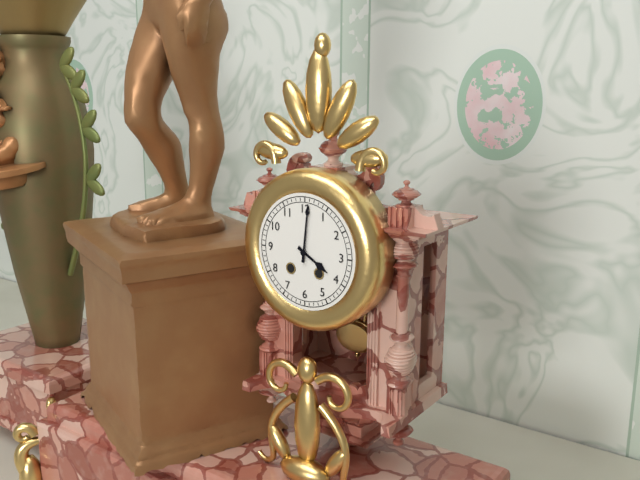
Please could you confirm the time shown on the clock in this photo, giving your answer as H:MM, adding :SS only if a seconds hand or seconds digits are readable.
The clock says 4:01
